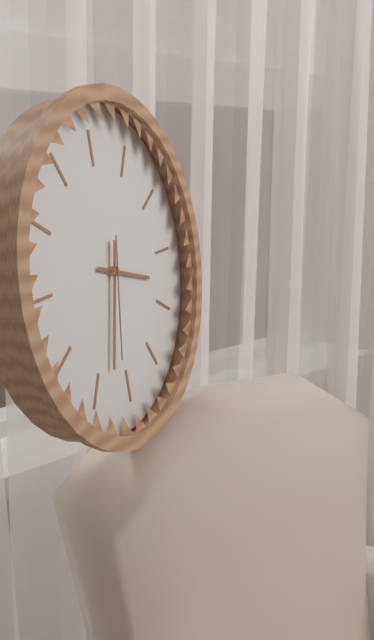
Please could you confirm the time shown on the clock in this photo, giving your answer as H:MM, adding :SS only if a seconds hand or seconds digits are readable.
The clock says 3:33:32
